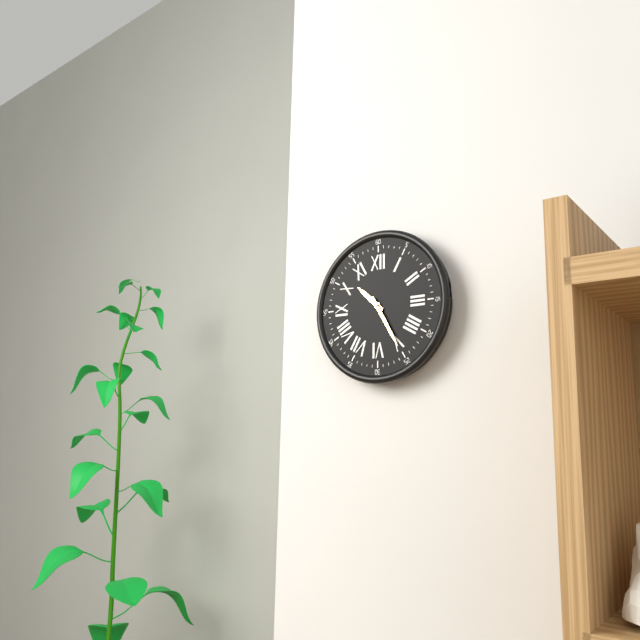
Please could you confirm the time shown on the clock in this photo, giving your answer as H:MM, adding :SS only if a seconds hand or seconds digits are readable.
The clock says 10:25
